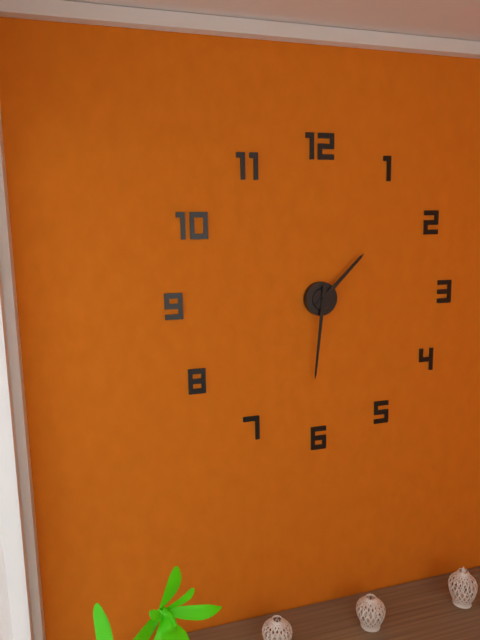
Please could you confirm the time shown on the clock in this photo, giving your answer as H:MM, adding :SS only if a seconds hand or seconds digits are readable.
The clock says 1:31
